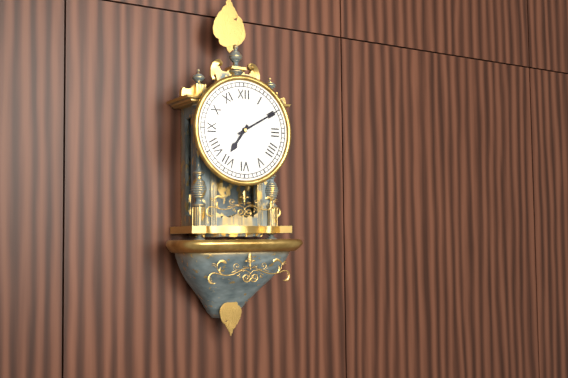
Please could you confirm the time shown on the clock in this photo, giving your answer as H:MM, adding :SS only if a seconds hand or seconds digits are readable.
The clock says 7:10
